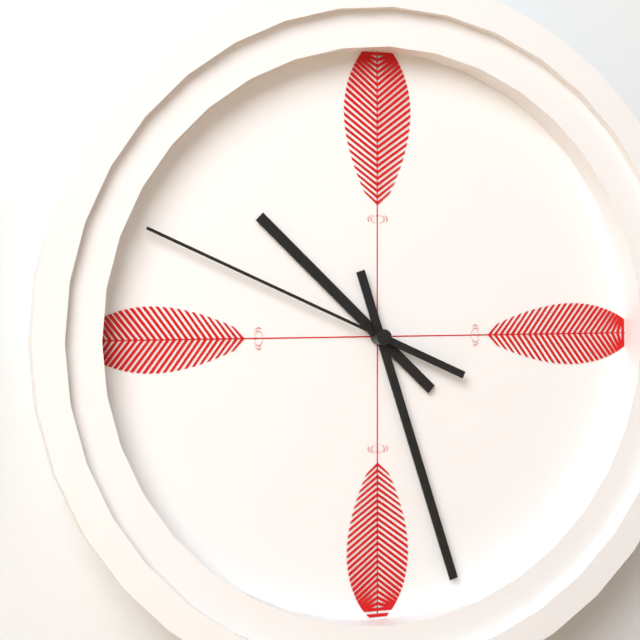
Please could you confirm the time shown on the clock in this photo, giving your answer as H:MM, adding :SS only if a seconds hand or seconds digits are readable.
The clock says 10:27:49
